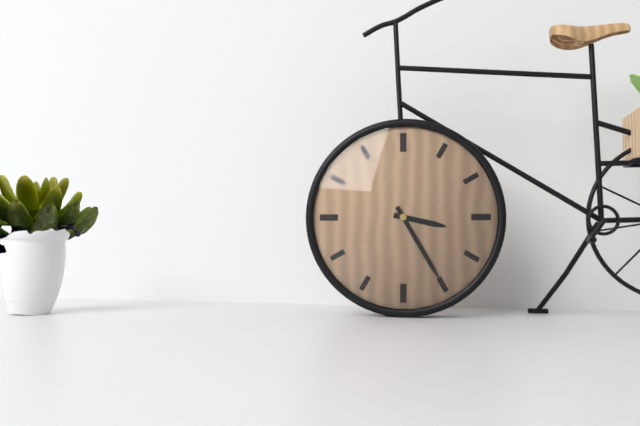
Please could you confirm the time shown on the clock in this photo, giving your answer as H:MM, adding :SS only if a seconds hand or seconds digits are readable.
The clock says 3:25
